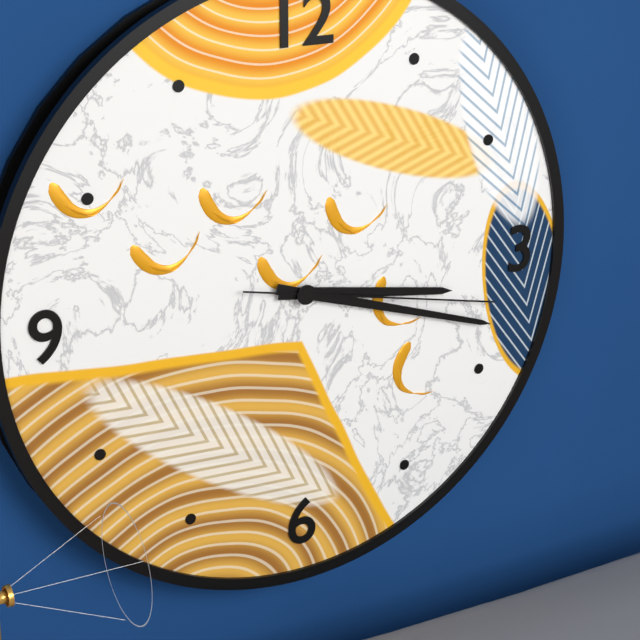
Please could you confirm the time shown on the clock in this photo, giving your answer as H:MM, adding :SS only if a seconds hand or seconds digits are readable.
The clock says 3:18:17
